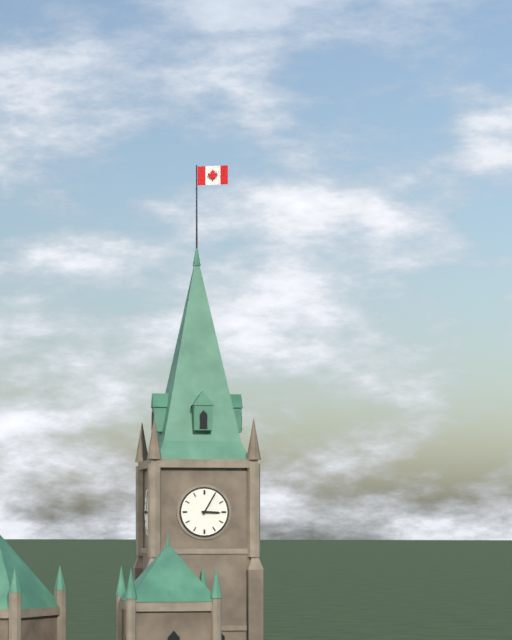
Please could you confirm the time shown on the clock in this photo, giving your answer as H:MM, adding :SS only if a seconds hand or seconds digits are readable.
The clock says 3:05
